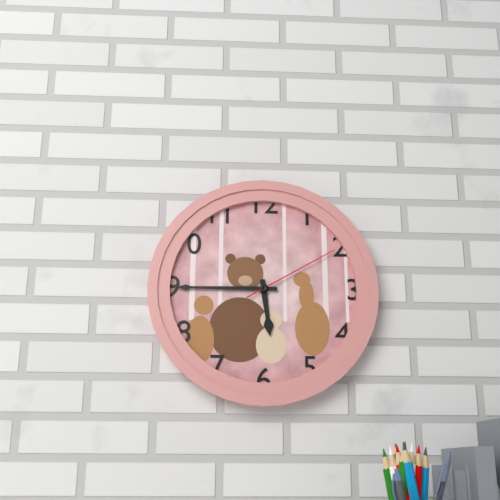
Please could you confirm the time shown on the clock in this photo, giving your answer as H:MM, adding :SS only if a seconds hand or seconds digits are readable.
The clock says 5:45:10
